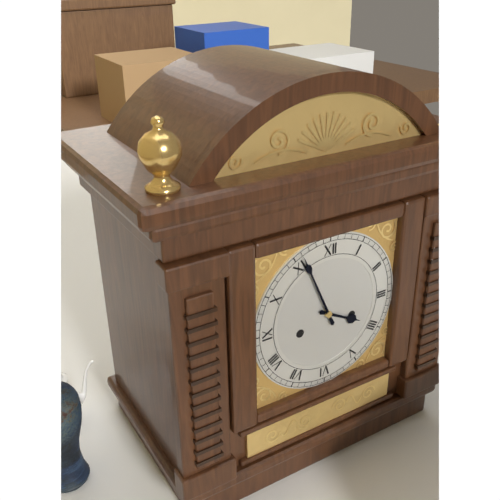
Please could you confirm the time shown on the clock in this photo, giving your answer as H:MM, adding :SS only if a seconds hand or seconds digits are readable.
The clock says 3:56
